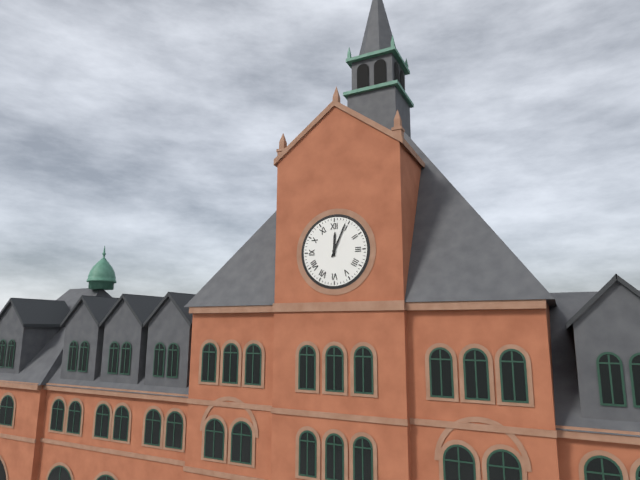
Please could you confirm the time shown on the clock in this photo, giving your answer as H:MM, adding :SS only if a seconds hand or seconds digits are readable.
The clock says 12:04
